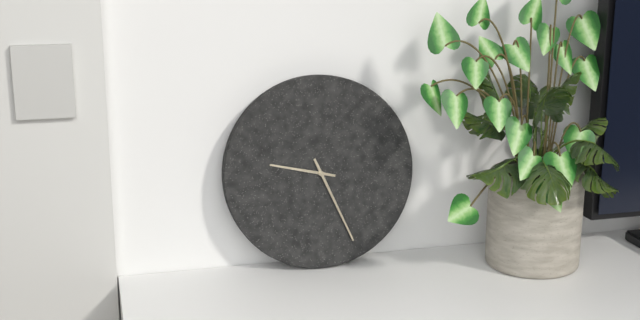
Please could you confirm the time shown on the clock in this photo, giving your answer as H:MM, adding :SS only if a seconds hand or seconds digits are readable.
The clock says 9:26
